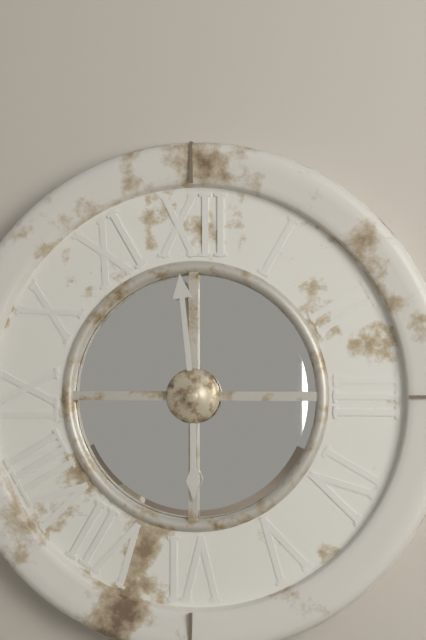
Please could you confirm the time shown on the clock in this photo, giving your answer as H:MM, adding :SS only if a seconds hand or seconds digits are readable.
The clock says 5:59
